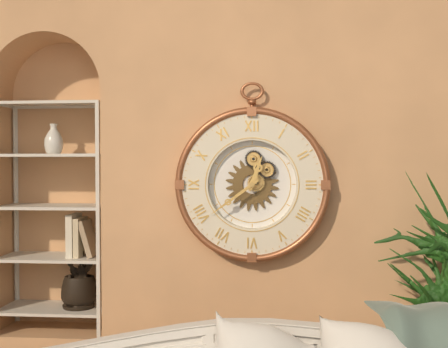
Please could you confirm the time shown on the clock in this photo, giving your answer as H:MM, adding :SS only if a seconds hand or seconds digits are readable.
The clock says 12:39
